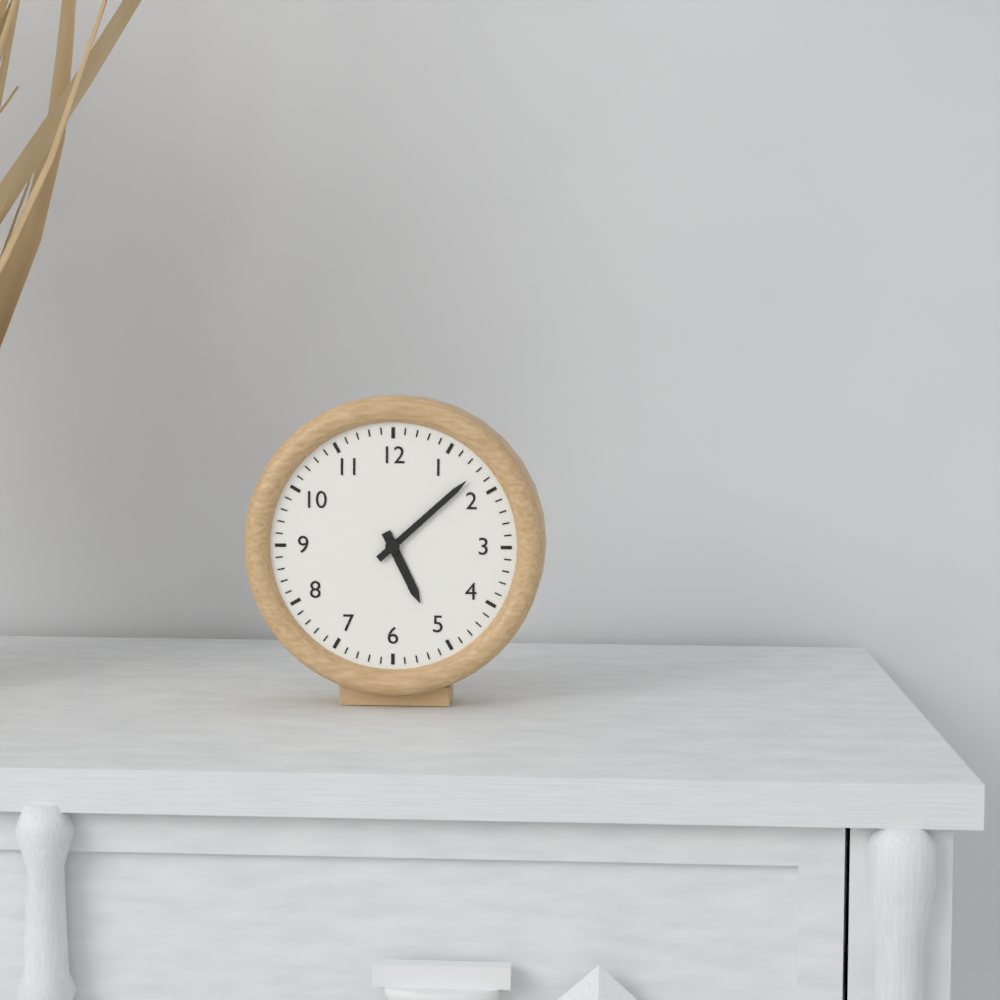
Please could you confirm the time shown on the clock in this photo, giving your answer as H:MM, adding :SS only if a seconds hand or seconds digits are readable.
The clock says 5:08
